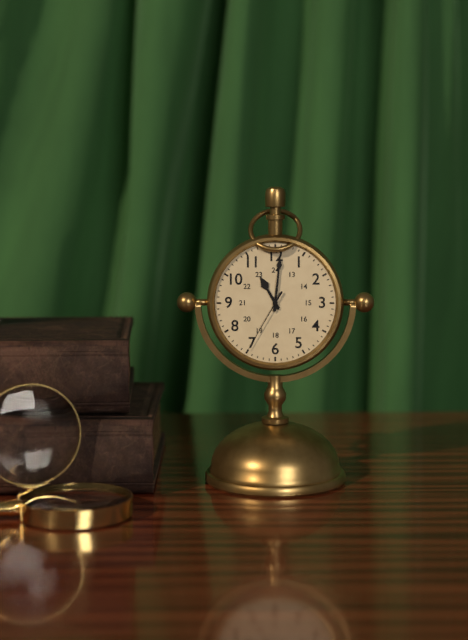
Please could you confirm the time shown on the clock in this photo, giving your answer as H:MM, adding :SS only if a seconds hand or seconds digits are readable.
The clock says 11:01:35
